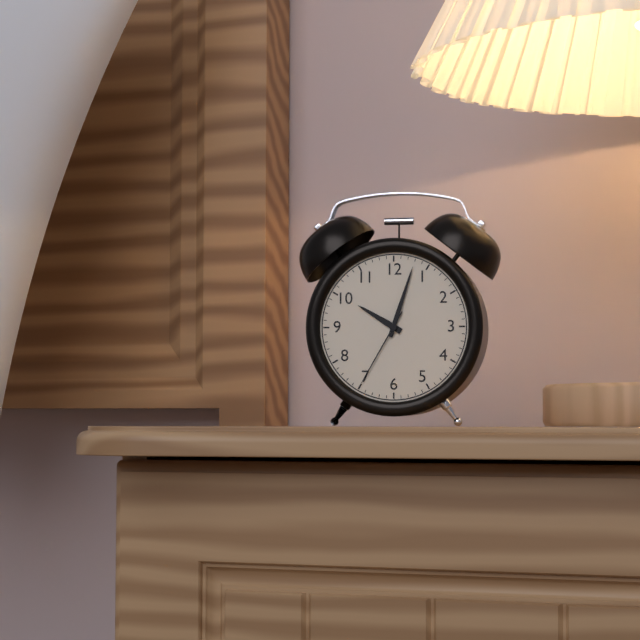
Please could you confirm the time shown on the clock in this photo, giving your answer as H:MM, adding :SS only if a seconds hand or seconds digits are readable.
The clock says 10:03:35
